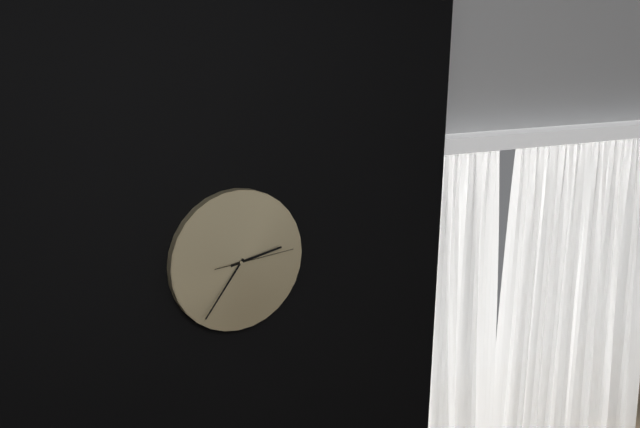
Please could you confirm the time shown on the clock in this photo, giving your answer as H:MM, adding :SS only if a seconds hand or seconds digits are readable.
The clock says 2:36:14
